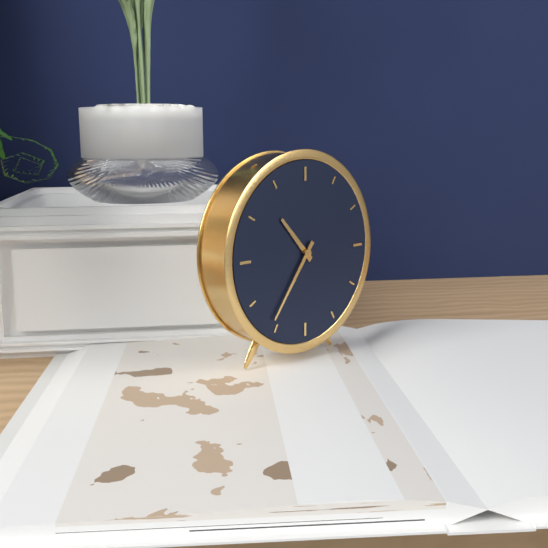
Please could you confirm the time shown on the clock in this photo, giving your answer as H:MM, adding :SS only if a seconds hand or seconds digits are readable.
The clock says 10:36
